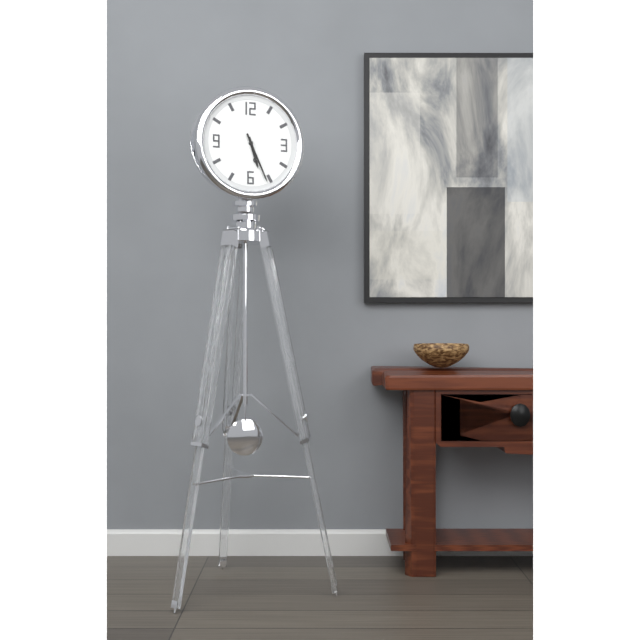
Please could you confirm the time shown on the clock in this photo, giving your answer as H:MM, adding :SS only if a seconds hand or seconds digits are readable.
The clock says 5:26
